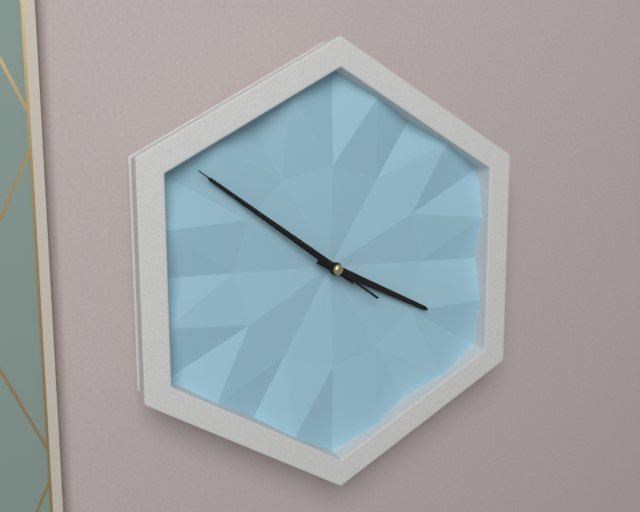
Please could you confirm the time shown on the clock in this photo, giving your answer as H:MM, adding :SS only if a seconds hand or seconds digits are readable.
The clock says 3:51:51
